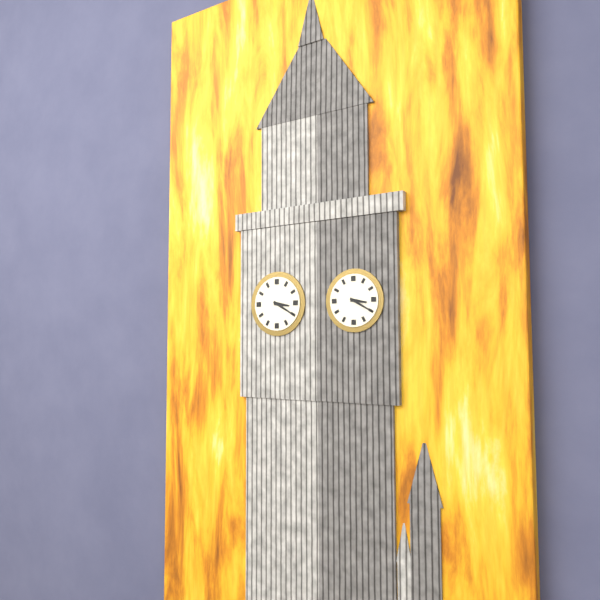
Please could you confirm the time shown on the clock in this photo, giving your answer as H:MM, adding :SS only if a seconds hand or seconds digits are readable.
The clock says 3:20
